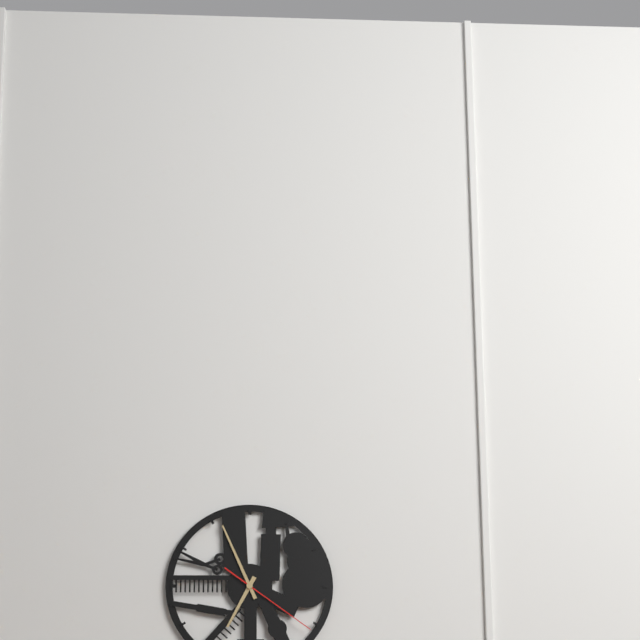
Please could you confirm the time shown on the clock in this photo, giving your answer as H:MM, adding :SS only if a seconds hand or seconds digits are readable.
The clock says 6:56:21
